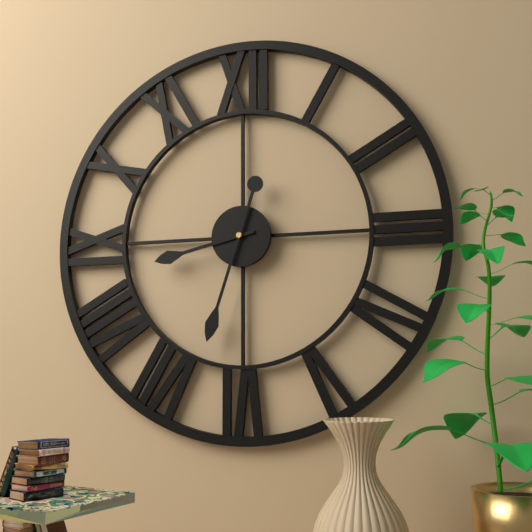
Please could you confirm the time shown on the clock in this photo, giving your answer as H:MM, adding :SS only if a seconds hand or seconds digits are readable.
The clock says 8:33
